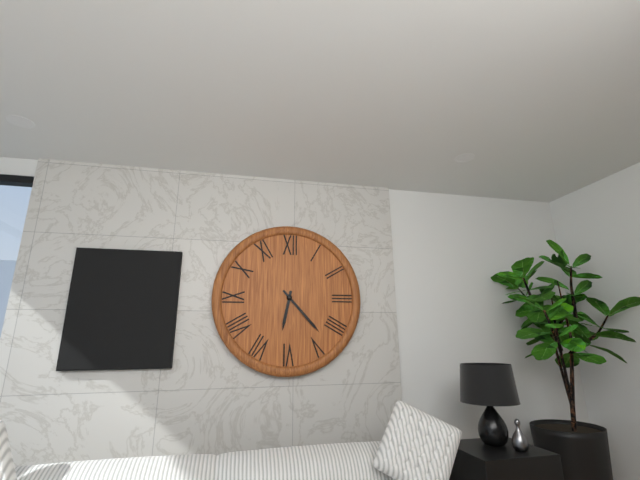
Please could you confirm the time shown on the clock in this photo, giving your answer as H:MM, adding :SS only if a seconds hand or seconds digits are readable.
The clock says 6:23
